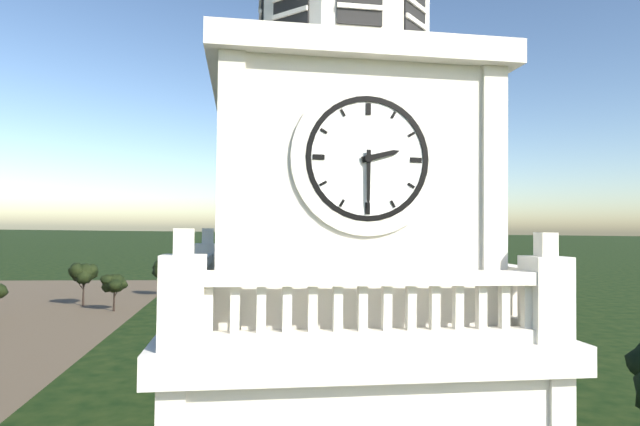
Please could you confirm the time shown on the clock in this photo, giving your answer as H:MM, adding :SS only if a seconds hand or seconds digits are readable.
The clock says 2:30
